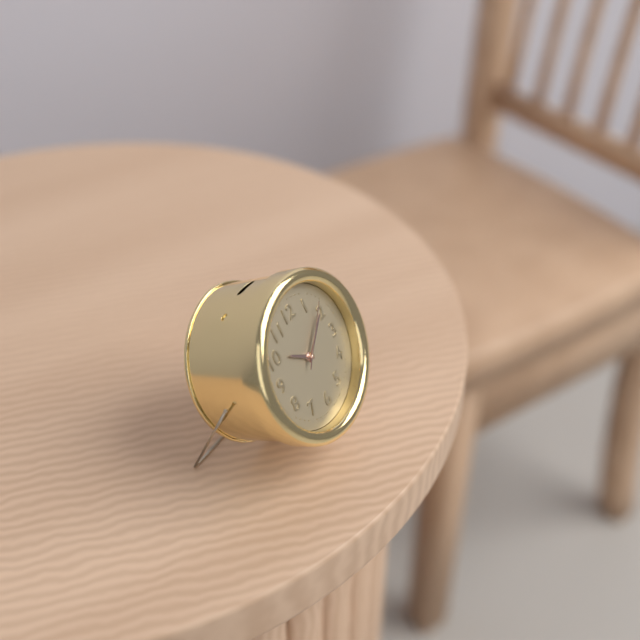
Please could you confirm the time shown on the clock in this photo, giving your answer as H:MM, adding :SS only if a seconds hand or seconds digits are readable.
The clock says 10:09:08
